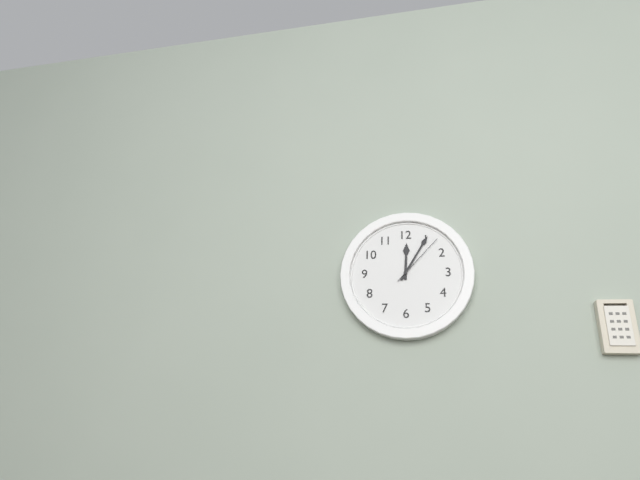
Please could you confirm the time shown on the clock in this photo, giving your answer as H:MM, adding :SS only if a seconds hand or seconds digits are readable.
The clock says 12:05:07
